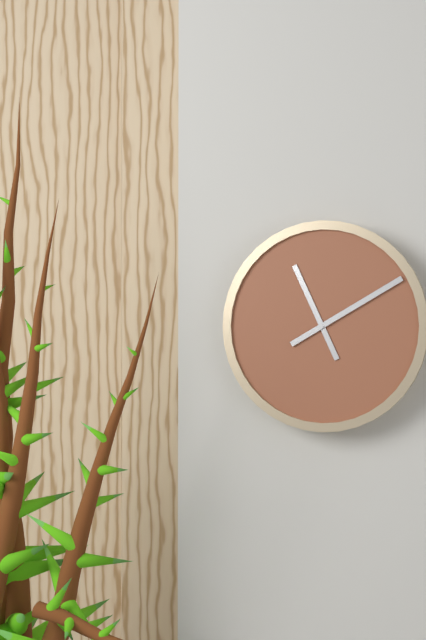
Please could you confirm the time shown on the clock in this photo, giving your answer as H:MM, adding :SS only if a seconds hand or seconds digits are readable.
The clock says 11:10
